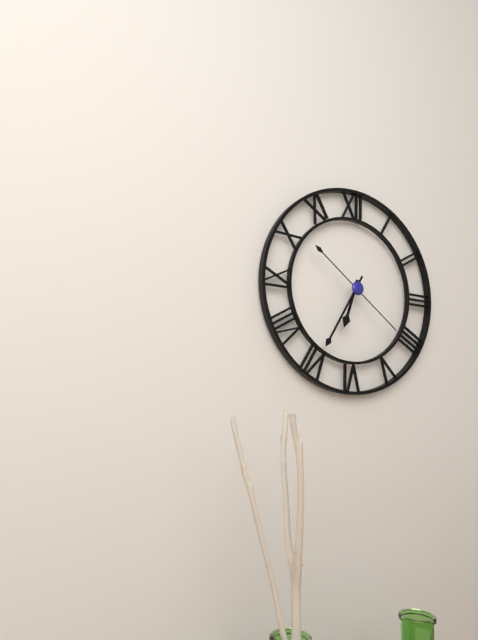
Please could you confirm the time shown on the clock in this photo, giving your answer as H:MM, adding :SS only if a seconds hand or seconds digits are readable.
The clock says 6:35:21
